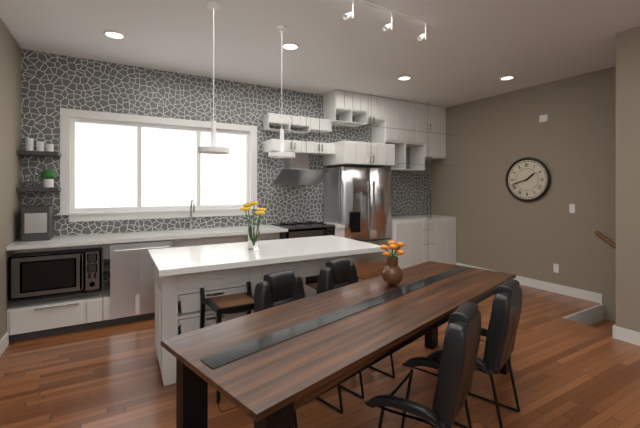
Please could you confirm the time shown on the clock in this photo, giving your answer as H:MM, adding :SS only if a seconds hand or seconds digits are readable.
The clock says 1:42
